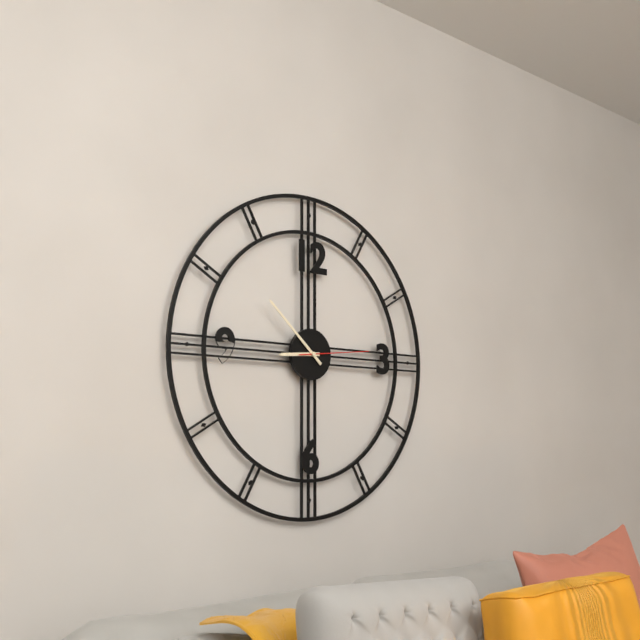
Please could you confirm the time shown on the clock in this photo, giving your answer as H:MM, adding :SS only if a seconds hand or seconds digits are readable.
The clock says 8:52:14
